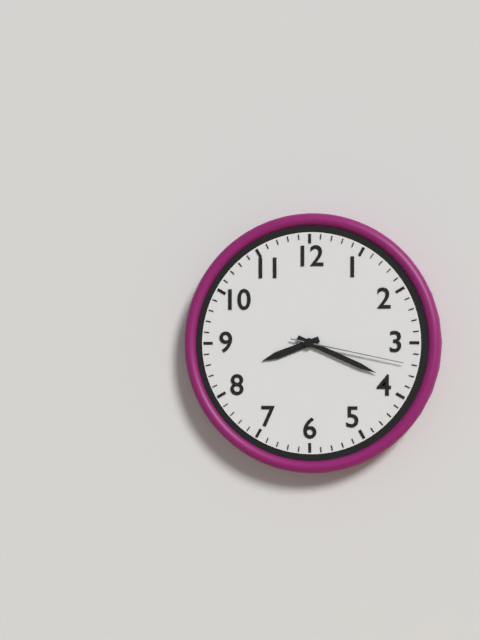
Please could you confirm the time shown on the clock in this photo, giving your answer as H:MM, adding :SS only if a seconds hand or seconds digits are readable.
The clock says 8:19:17
